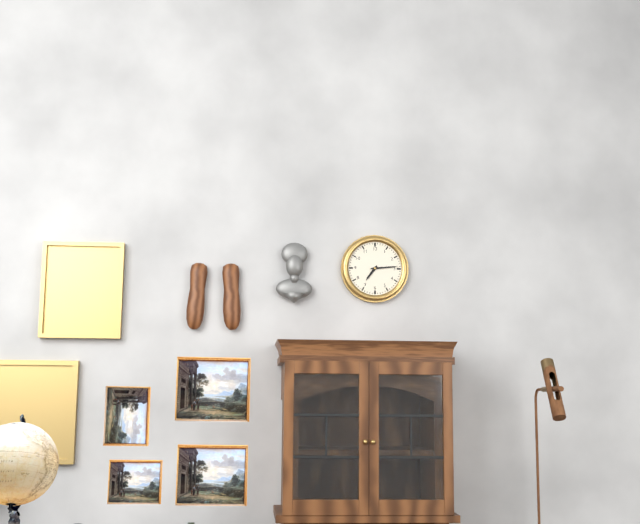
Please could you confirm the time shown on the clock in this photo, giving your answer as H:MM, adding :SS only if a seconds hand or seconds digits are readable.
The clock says 7:14
